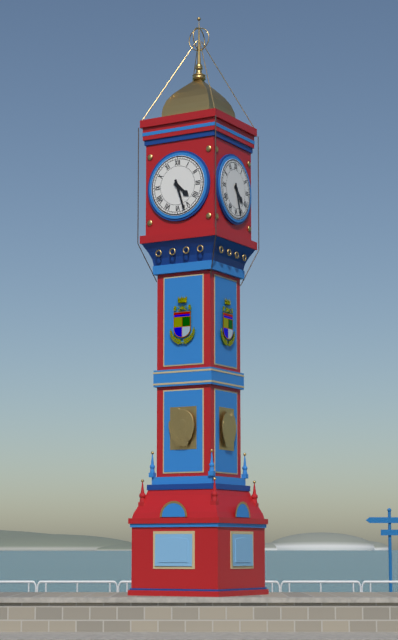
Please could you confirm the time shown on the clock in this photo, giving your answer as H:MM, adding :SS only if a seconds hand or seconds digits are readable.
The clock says 4:27
